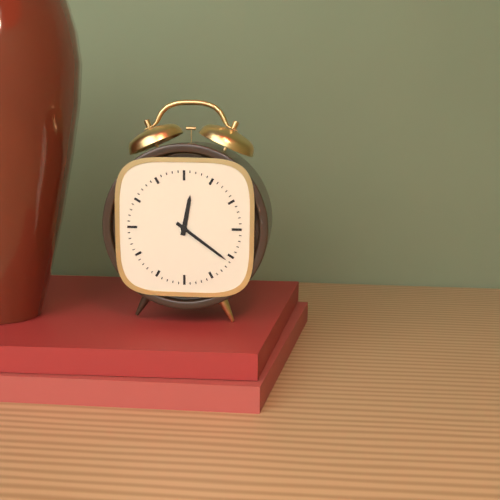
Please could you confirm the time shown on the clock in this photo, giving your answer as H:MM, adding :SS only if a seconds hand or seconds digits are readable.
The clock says 12:21
